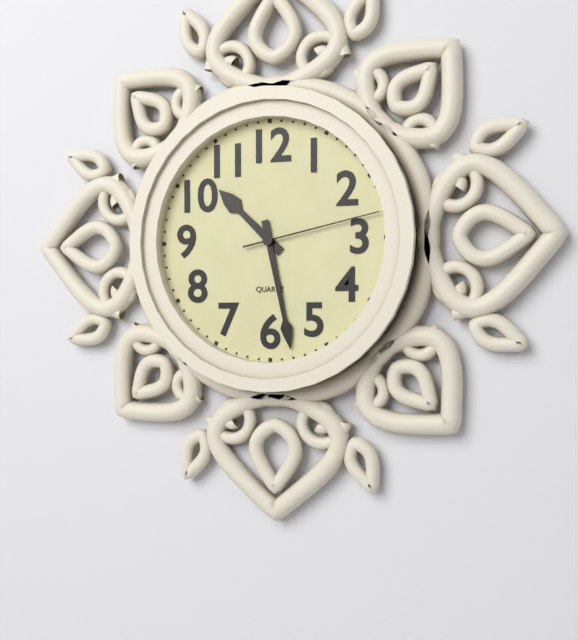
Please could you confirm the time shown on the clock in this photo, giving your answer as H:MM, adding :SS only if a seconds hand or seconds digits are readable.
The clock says 10:28:13
